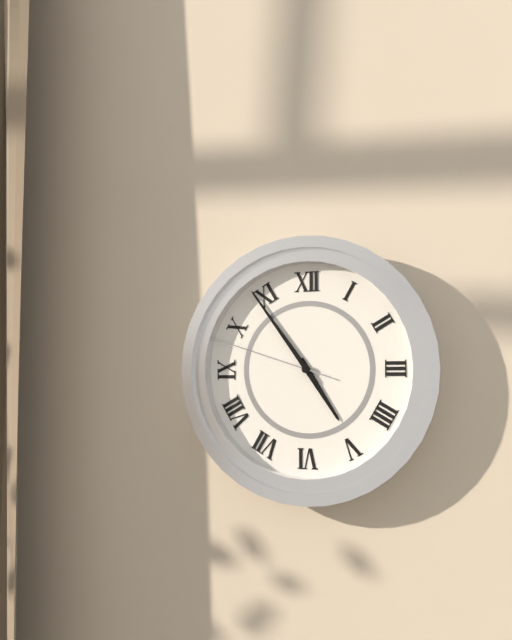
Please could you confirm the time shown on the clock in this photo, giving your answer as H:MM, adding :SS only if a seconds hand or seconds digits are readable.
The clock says 4:54:48
